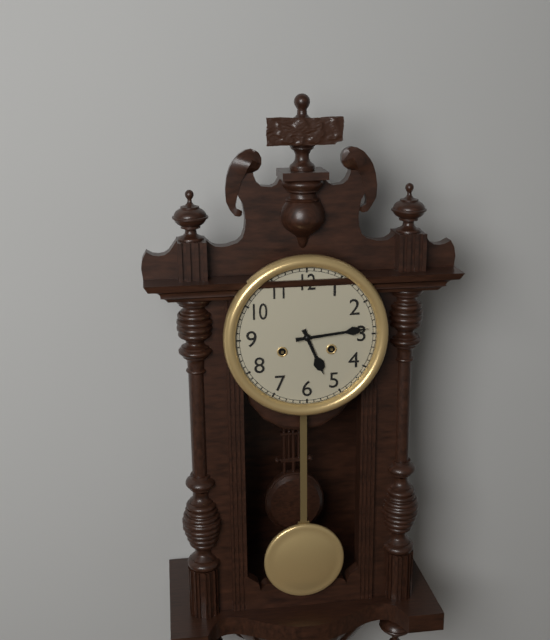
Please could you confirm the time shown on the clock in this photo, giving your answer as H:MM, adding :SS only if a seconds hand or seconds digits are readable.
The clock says 5:14
